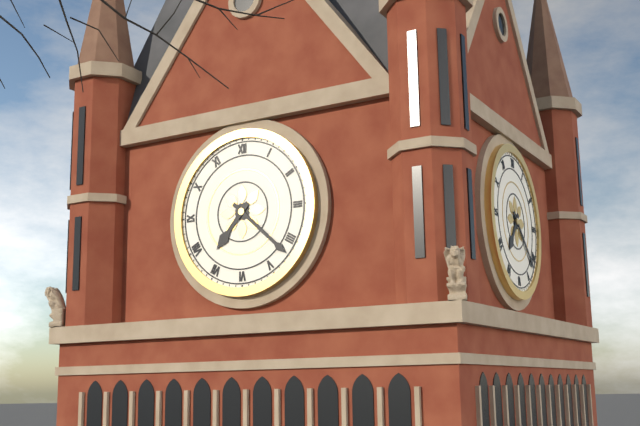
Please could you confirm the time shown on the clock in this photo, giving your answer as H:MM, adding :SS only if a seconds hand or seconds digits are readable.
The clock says 7:22
